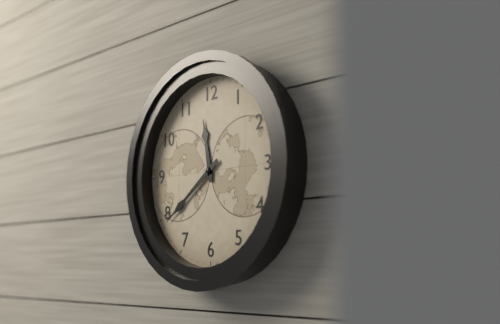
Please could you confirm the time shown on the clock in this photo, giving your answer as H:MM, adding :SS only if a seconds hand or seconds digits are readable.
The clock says 11:39
